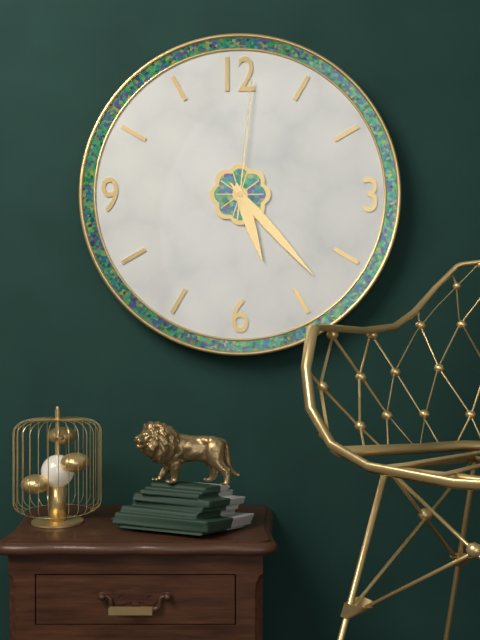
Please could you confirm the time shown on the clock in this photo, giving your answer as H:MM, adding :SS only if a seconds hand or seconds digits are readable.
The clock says 5:23:01
